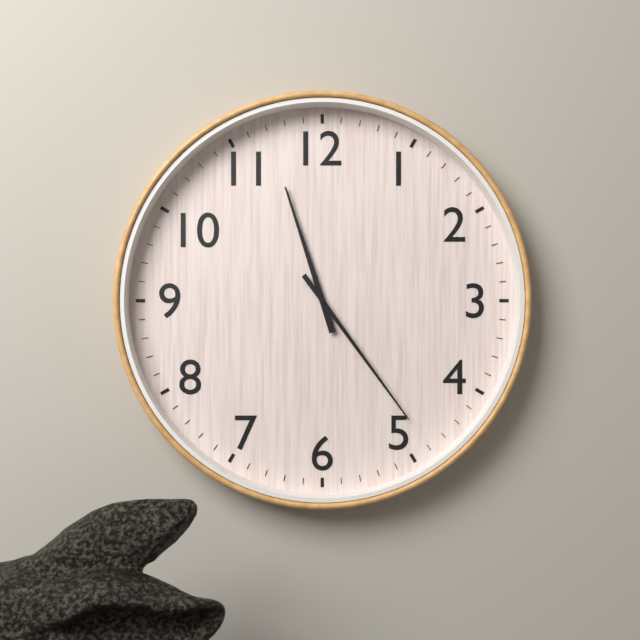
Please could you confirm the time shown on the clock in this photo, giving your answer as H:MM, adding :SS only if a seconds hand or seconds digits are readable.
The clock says 11:24
